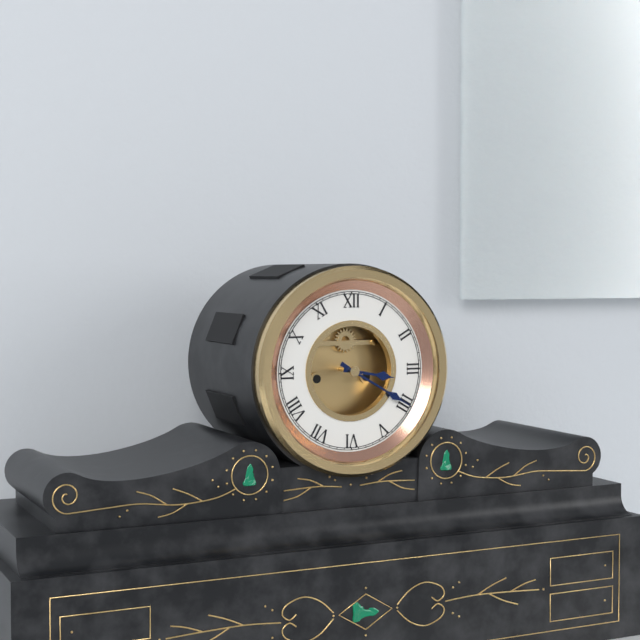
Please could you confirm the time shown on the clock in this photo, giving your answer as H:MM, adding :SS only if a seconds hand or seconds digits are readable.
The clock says 3:20
